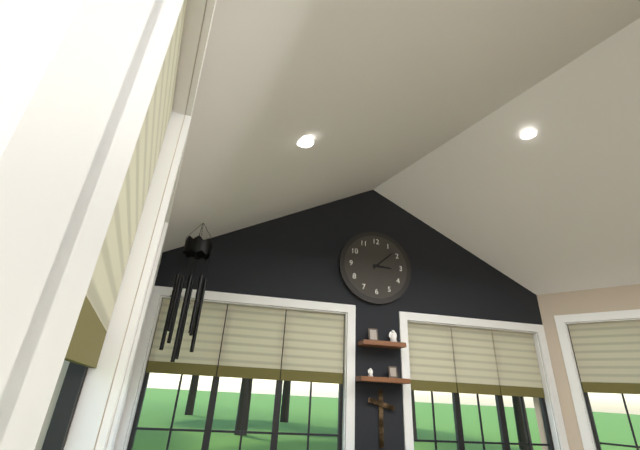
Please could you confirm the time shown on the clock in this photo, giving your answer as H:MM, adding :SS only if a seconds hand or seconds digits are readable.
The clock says 3:08
